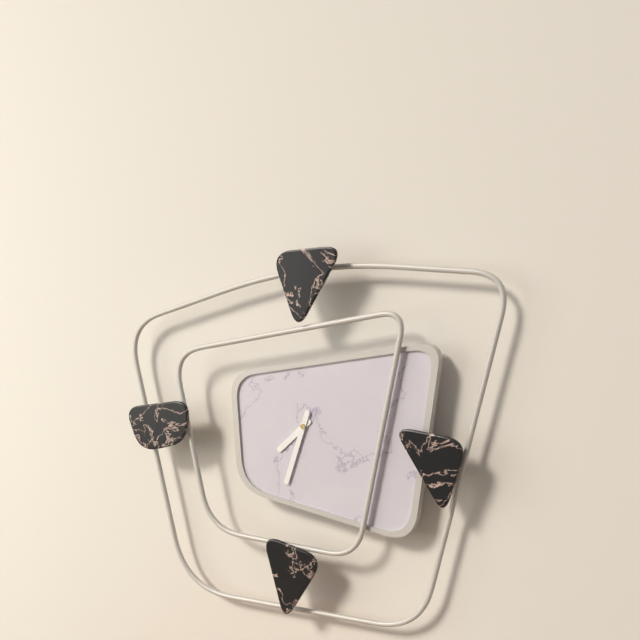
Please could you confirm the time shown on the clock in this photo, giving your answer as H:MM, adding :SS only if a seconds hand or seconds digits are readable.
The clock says 7:33
